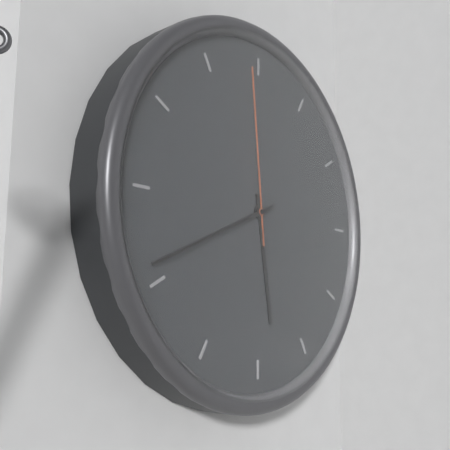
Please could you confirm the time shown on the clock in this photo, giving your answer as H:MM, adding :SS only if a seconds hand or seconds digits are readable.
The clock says 5:41:59
